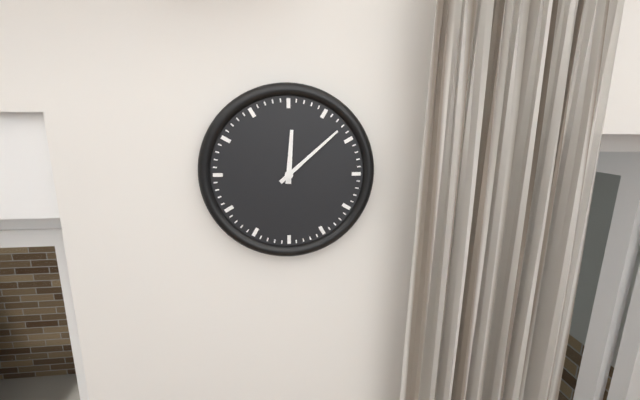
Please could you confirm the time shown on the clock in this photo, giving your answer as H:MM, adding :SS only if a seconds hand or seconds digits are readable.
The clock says 12:08
